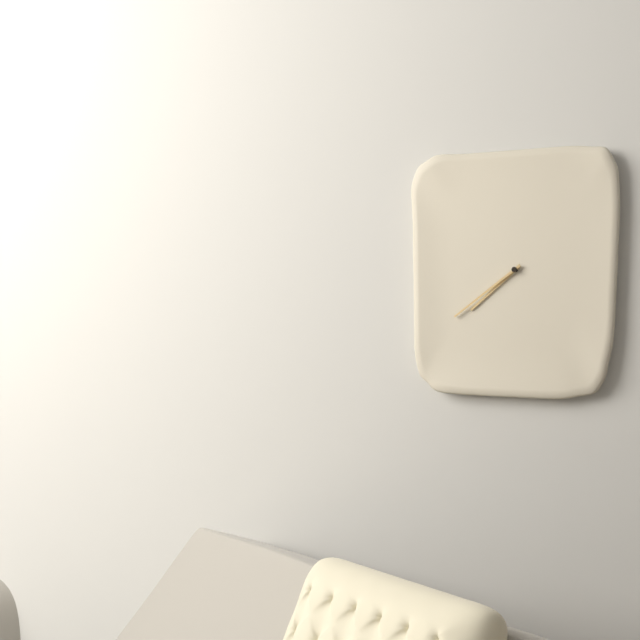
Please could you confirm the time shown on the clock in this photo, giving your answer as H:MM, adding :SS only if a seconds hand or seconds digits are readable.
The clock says 7:39
